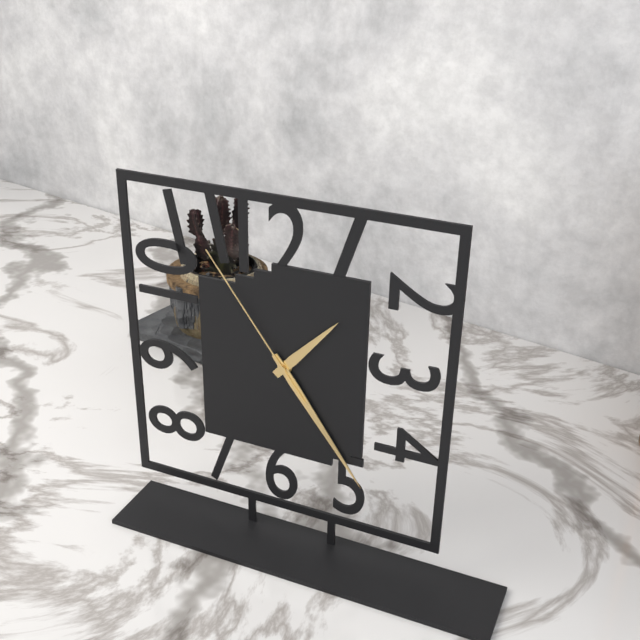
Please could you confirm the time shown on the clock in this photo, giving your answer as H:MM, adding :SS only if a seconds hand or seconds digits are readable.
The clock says 1:24:54
